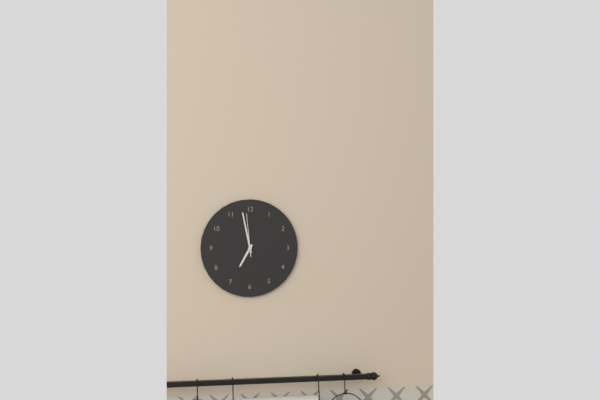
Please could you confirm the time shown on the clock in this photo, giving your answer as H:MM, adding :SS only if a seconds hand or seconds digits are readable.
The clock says 6:58
